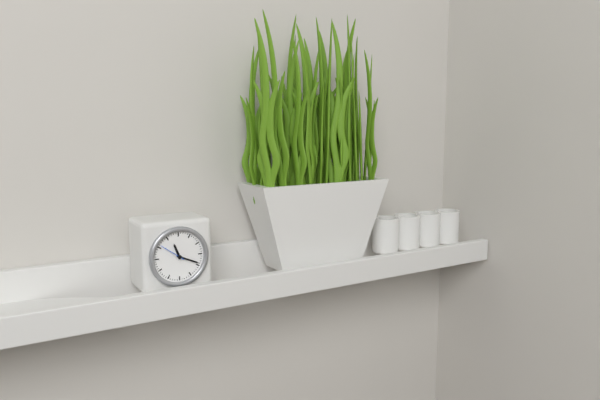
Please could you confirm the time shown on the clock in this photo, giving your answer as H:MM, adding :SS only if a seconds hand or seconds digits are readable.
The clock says 11:19
